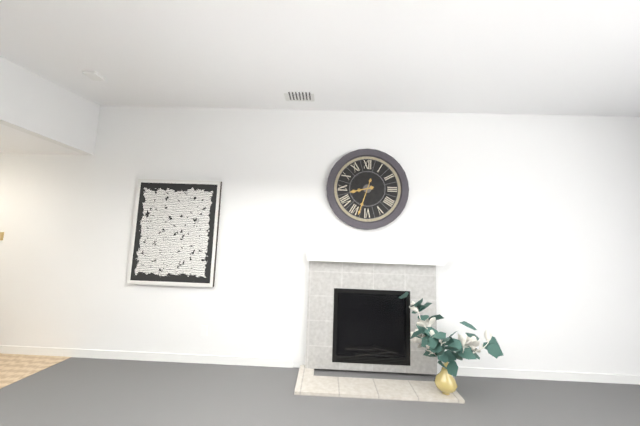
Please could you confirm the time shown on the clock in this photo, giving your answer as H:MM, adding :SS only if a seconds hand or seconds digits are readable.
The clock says 8:33
